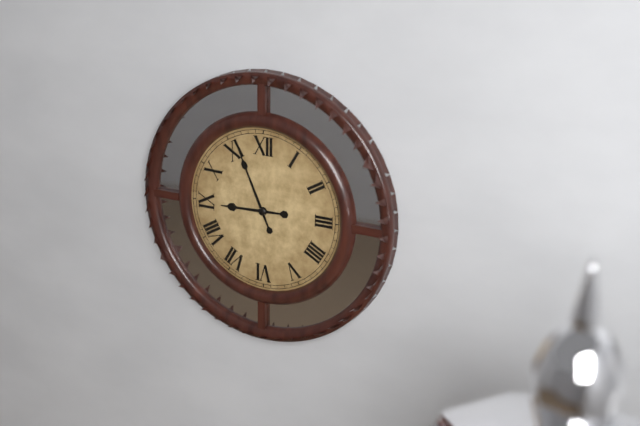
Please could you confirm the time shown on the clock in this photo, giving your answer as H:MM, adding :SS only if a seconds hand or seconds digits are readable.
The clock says 8:56
